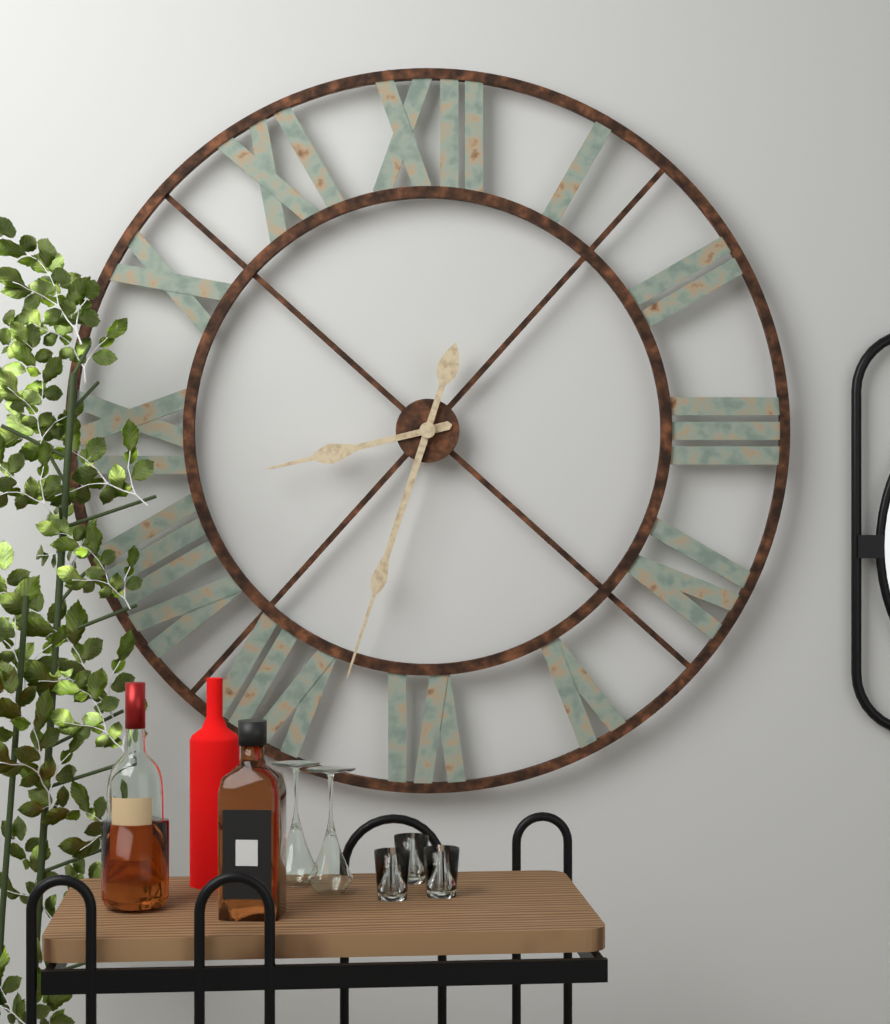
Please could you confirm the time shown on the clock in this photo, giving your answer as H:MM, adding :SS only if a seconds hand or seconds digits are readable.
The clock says 8:33
